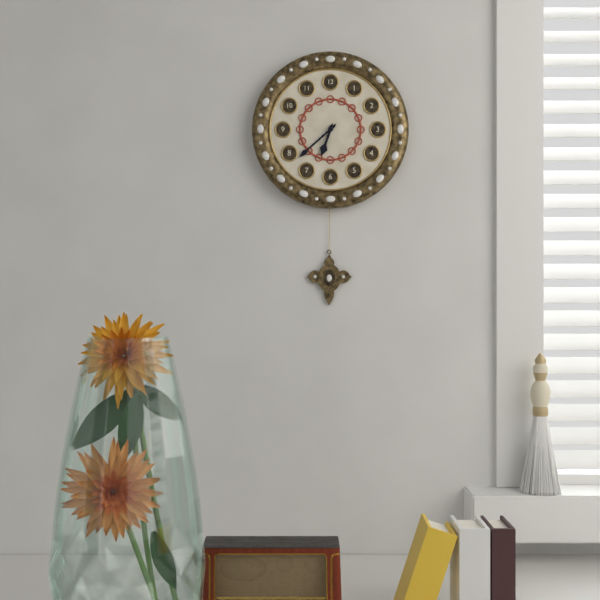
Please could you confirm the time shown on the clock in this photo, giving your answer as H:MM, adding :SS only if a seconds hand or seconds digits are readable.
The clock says 6:38
